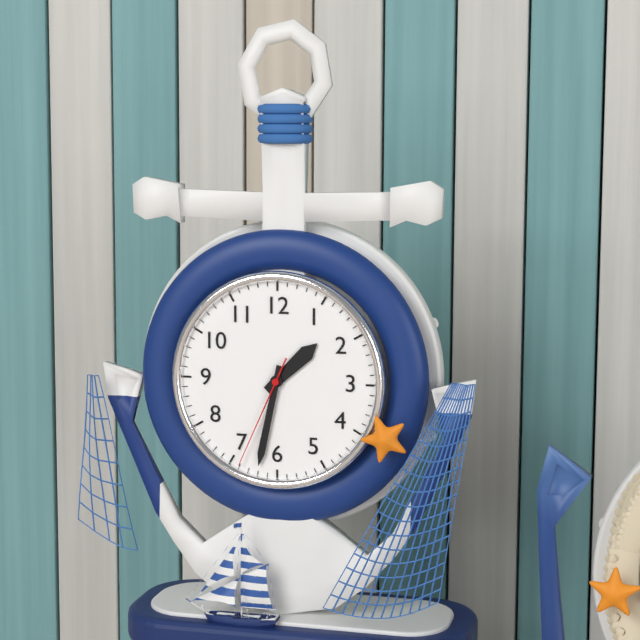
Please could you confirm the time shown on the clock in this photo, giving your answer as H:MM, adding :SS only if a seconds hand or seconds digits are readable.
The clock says 1:32:34
